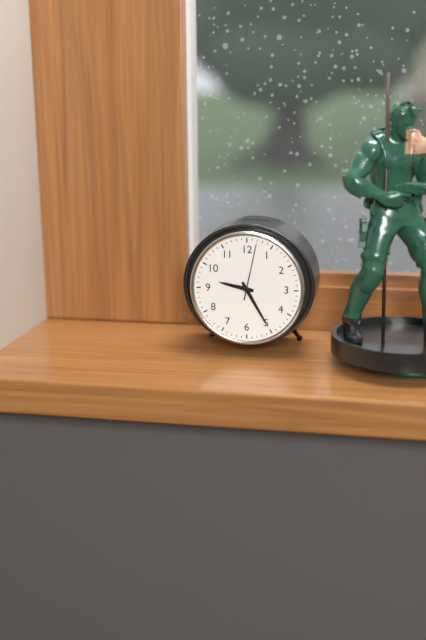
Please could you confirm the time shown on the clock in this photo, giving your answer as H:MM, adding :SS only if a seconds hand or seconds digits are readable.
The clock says 9:25:02
